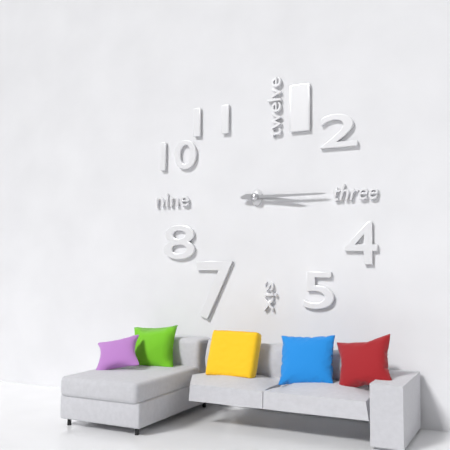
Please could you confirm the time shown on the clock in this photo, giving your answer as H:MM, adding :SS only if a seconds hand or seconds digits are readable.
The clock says 3:15
